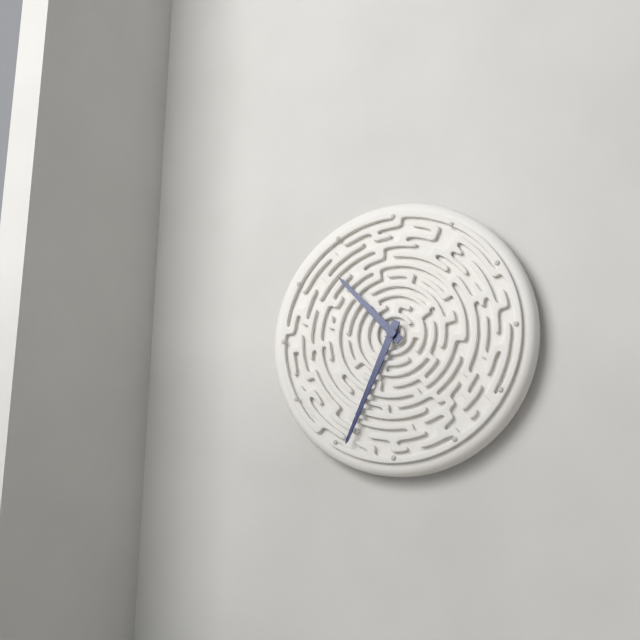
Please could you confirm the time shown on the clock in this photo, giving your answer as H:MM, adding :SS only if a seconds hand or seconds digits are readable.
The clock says 10:34
